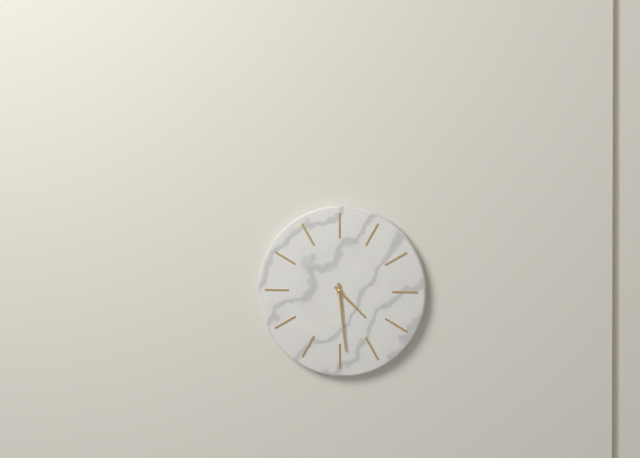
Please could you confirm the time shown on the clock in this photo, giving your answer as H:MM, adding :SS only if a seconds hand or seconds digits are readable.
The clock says 4:29
